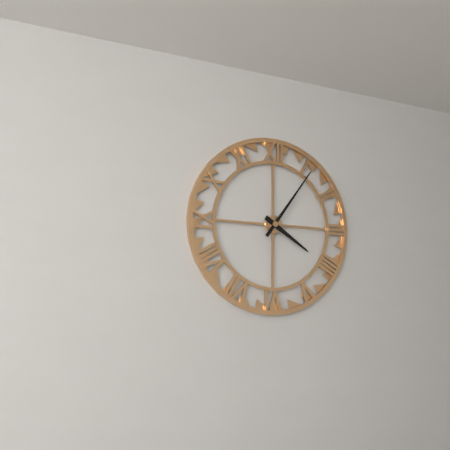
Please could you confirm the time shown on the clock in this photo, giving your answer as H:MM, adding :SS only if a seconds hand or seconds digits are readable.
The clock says 4:06
